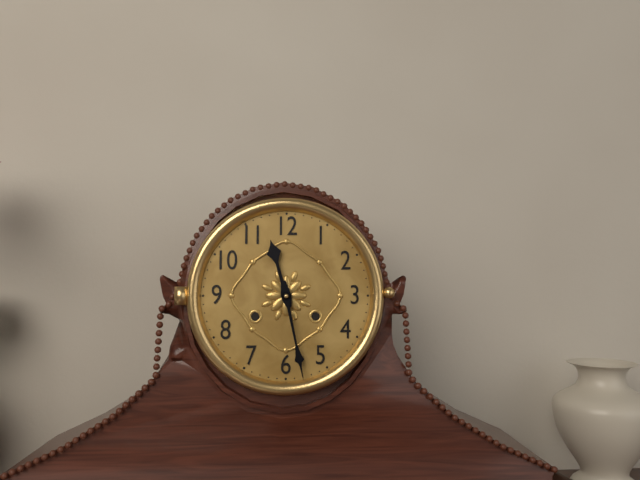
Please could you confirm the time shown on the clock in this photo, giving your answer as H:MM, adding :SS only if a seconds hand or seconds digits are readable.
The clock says 11:28
